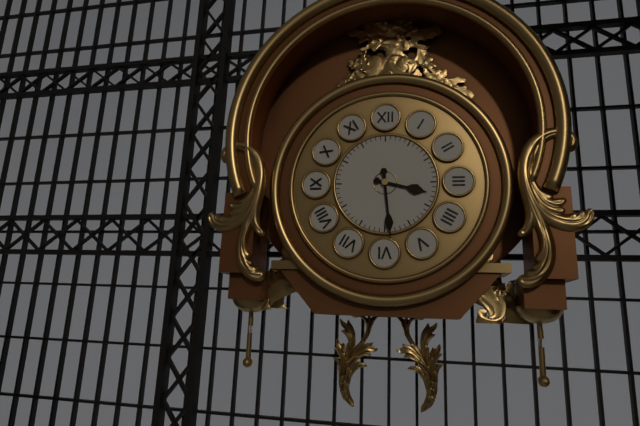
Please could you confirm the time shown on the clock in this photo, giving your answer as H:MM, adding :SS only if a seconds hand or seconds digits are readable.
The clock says 3:29
